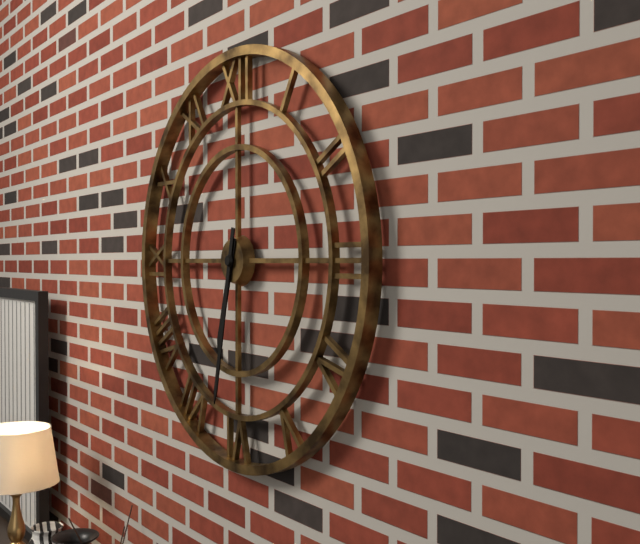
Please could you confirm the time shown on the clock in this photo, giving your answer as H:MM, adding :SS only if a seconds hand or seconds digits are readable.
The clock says 6:32
